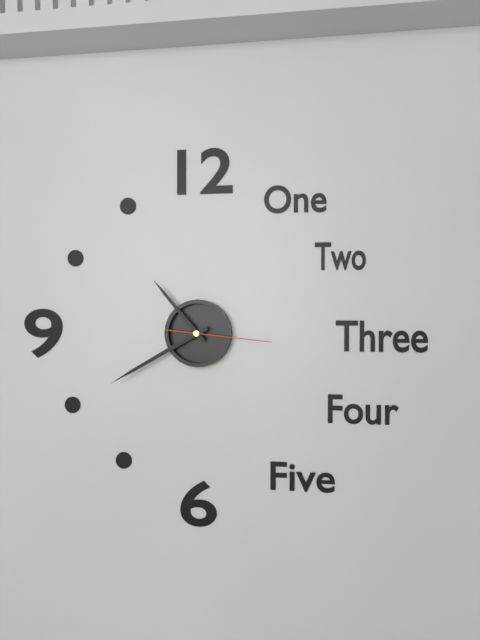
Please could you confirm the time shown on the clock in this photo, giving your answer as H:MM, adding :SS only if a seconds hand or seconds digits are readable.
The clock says 10:40:16
